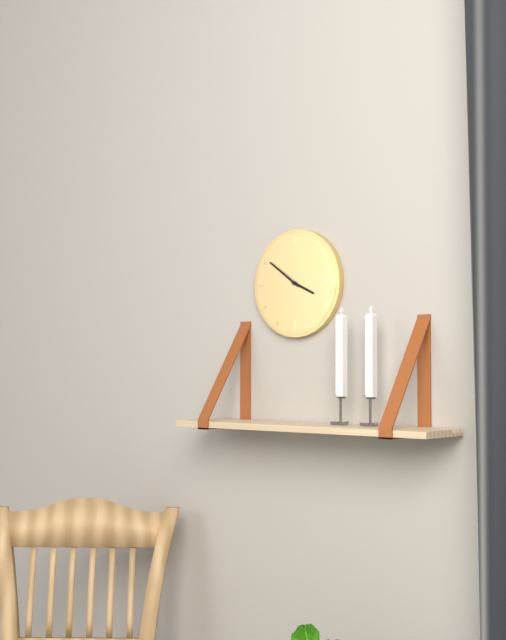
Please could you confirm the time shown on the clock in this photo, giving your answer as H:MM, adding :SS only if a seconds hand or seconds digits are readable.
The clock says 3:51
